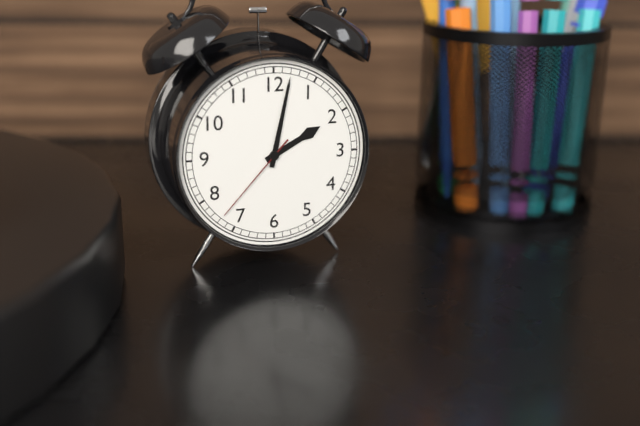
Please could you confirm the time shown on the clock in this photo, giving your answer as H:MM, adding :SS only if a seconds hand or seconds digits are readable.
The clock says 2:02:37
